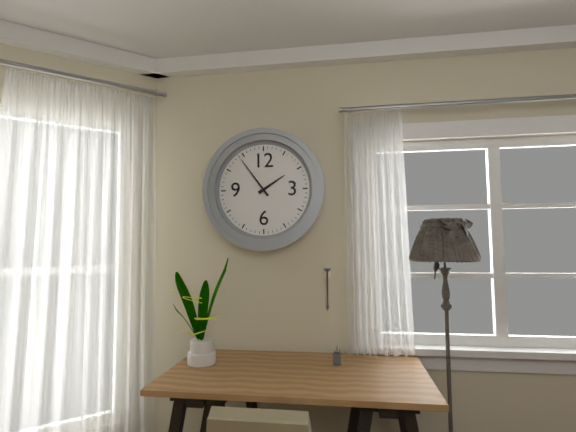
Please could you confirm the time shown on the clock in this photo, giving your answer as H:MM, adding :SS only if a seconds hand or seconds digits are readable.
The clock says 1:54
